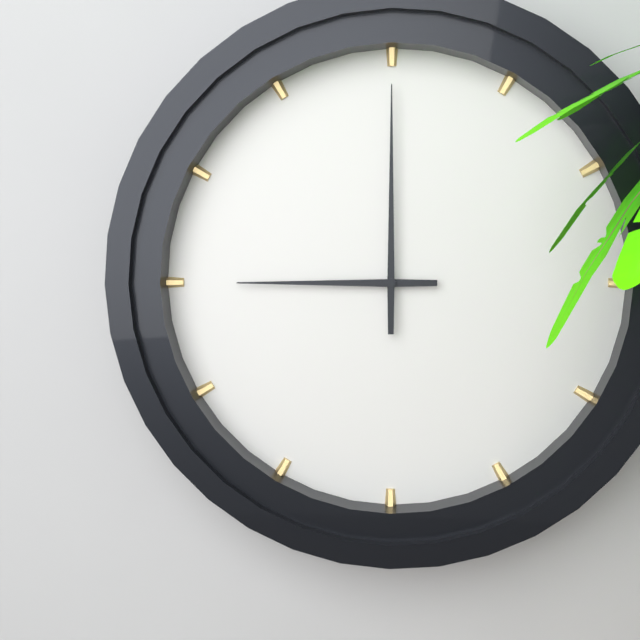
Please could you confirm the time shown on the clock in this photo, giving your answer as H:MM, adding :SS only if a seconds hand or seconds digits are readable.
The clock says 9:00
